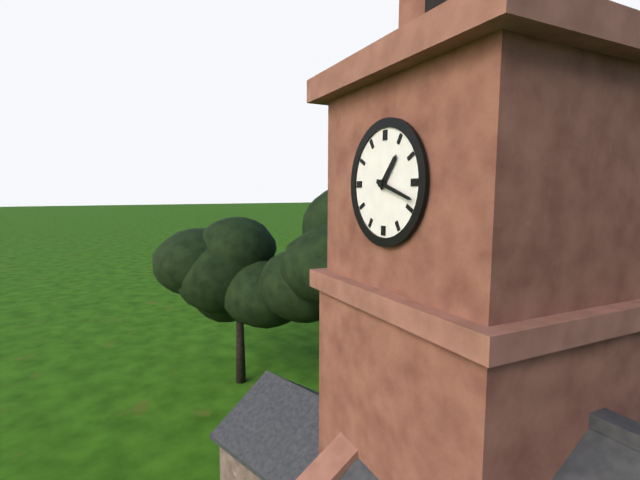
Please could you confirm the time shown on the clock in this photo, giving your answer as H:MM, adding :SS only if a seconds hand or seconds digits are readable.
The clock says 1:18
